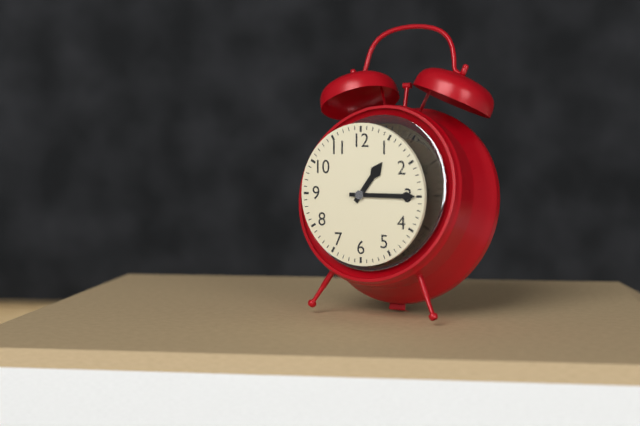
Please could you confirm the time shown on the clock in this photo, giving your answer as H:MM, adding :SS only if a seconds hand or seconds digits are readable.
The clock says 1:15
